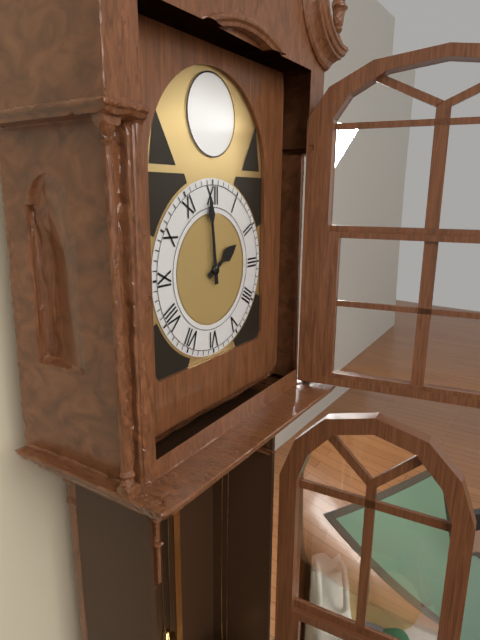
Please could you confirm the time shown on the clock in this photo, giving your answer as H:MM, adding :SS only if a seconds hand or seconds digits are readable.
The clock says 1:59
